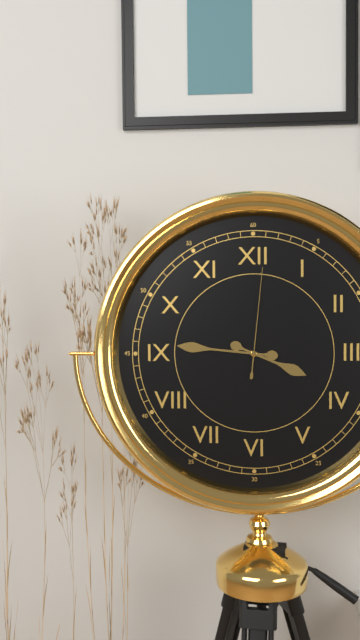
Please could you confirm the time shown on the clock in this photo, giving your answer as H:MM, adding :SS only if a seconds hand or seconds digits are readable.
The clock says 3:46:01
